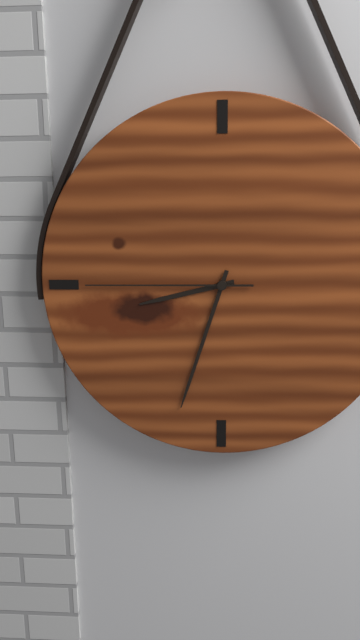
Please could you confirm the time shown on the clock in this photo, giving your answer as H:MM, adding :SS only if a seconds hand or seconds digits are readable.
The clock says 8:33:45
